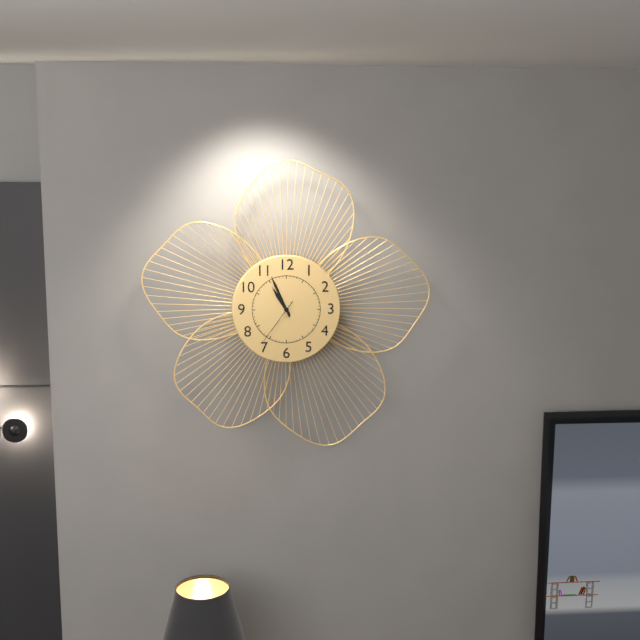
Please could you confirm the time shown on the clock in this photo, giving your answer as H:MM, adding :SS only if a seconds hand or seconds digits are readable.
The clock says 10:56:36
